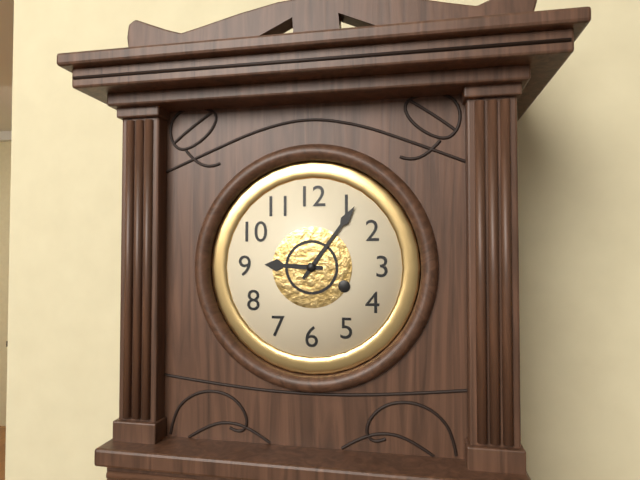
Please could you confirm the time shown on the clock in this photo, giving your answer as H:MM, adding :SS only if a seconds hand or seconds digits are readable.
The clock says 9:06
